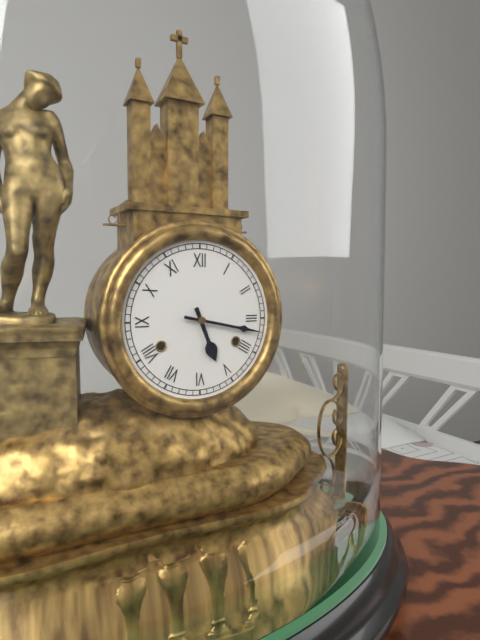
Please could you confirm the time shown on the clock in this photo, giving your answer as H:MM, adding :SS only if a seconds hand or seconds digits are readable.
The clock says 5:17
